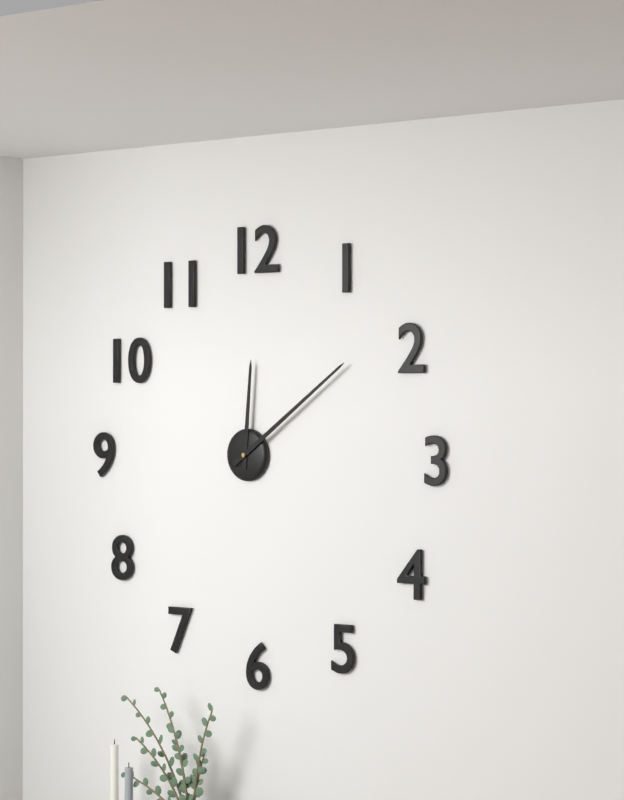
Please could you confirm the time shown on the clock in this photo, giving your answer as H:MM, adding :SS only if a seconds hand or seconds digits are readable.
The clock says 12:09
